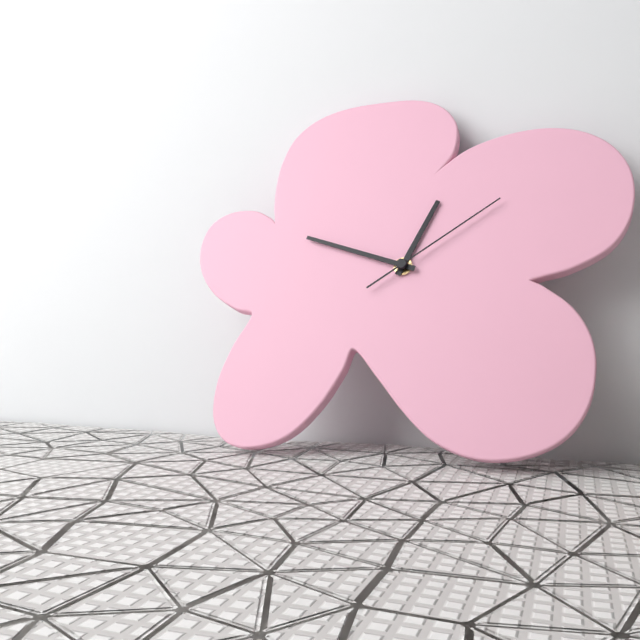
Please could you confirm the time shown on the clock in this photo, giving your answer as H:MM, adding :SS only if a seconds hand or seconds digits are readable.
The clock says 12:48:09
